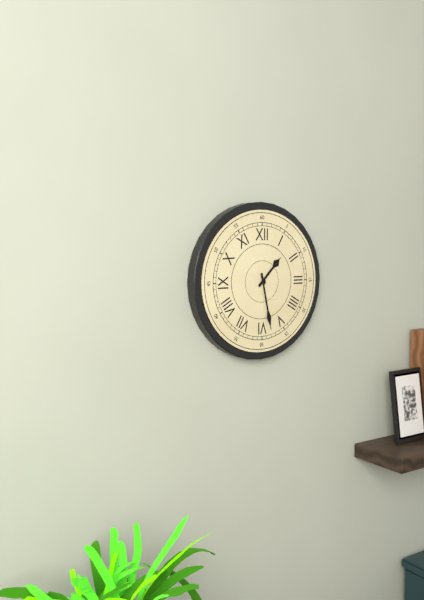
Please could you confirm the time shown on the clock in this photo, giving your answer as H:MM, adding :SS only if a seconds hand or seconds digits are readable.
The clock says 1:28
